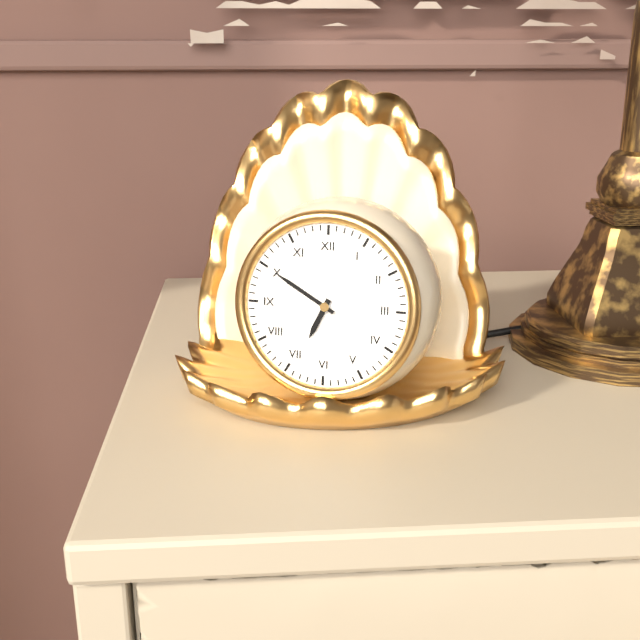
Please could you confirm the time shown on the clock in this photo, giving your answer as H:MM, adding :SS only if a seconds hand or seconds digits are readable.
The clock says 6:50
